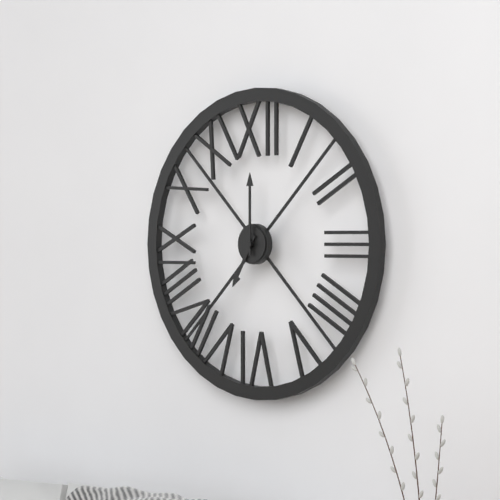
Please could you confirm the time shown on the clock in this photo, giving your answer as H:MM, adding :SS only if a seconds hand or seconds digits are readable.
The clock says 7:00
